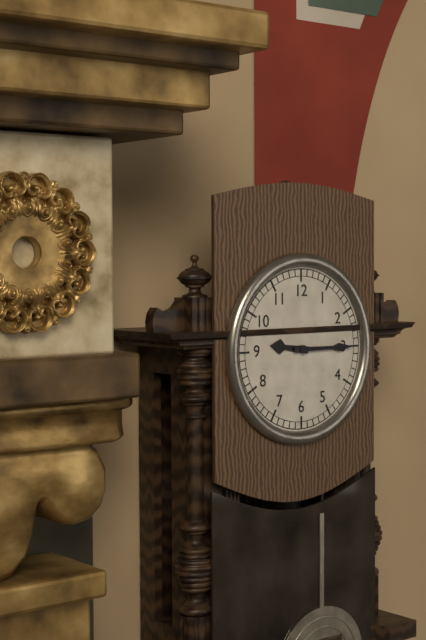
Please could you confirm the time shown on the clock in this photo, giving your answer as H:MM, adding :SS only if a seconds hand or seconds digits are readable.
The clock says 9:15
